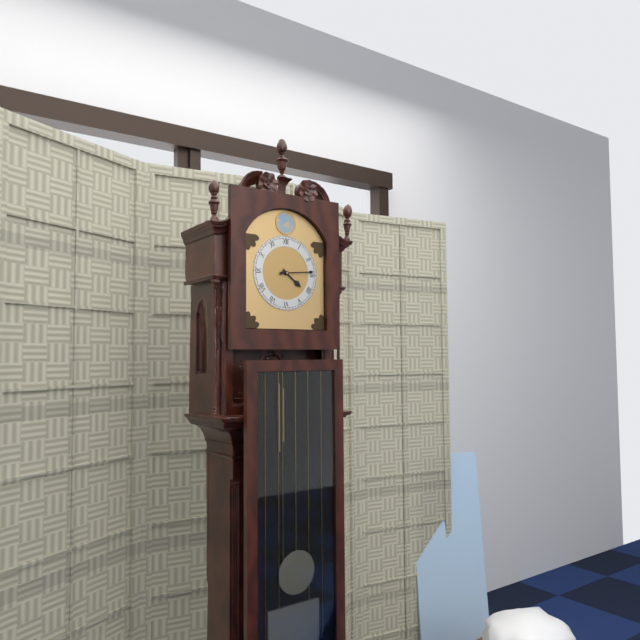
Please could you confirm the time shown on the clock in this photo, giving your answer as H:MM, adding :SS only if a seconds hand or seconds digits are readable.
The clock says 4:14
